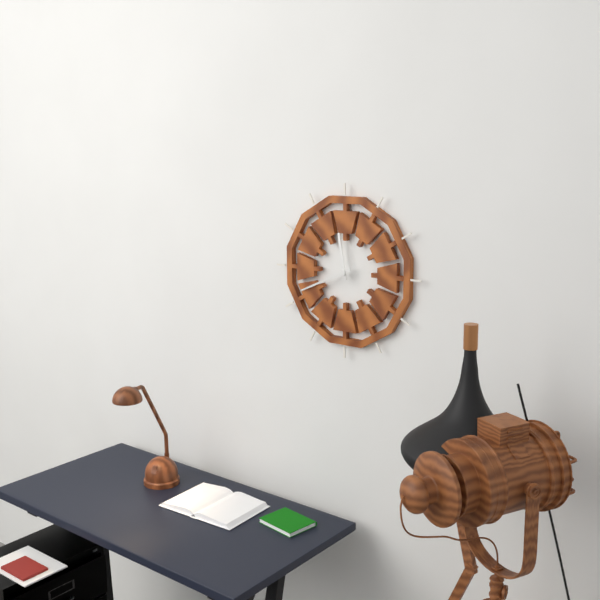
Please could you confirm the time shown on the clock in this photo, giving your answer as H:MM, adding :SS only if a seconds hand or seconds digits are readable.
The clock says 11:41
